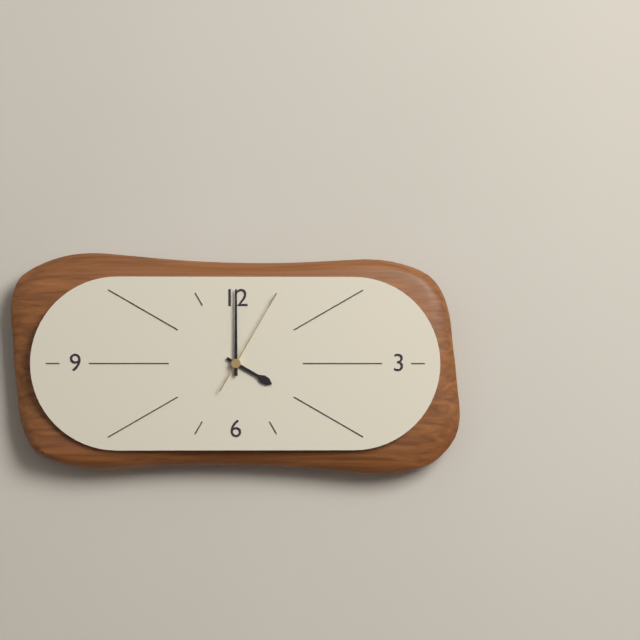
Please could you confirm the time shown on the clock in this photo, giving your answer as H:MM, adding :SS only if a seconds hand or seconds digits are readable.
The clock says 4:00:05
